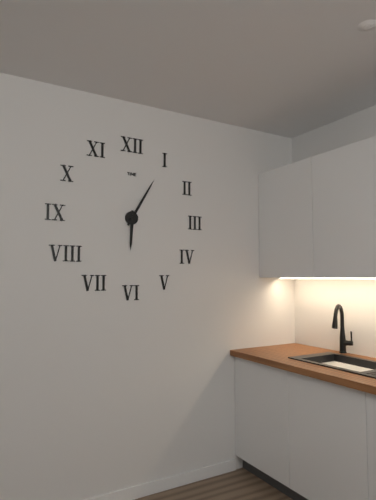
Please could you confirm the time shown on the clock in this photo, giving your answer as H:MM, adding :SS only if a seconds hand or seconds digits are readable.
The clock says 6:05
